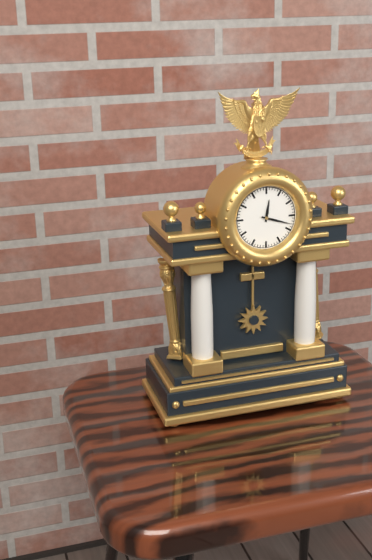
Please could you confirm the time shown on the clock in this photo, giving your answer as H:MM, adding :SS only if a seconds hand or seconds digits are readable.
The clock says 12:18
